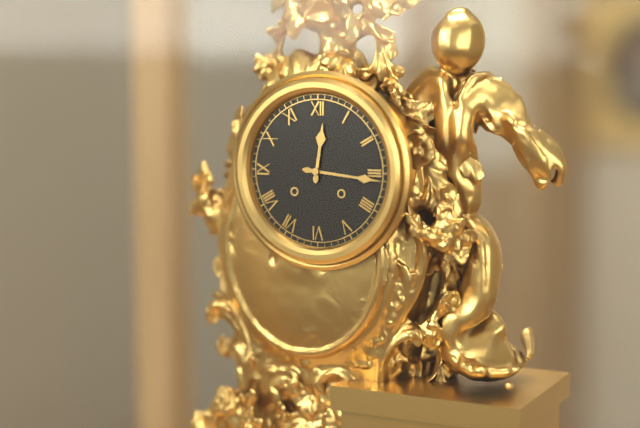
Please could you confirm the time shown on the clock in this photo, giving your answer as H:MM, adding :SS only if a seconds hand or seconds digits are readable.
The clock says 12:16
